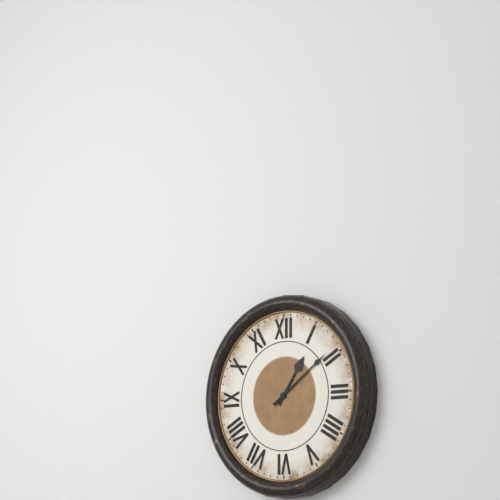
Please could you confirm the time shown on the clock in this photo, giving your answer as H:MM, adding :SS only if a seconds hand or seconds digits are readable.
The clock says 1:09
